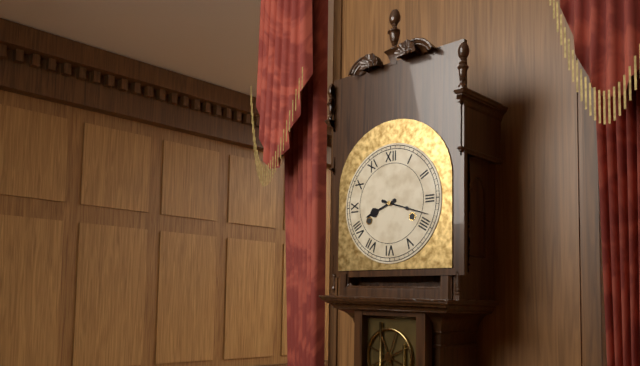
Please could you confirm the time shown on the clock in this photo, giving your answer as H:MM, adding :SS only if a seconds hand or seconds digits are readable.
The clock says 8:18
